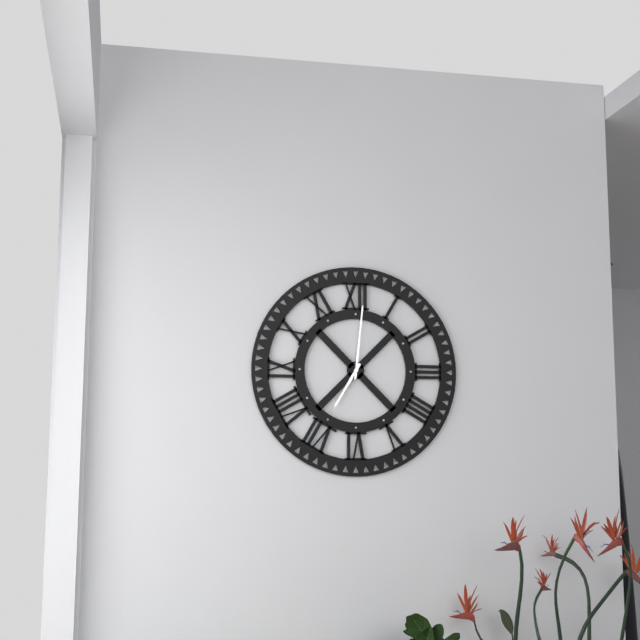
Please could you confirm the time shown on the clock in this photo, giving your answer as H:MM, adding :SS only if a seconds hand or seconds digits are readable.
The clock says 7:01
